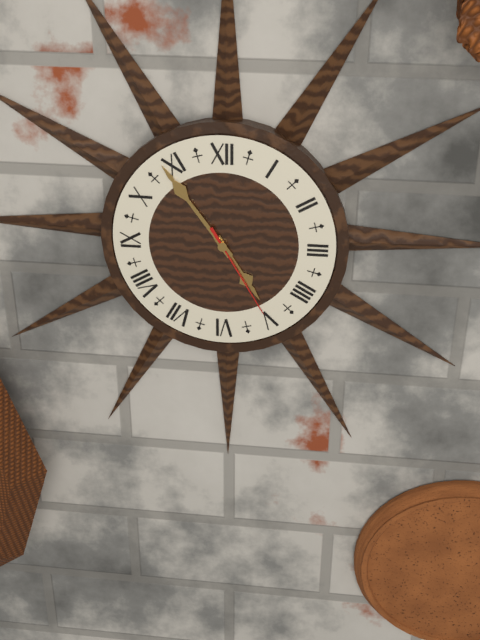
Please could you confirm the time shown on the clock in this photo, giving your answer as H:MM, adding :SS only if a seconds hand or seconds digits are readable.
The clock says 4:54:25
